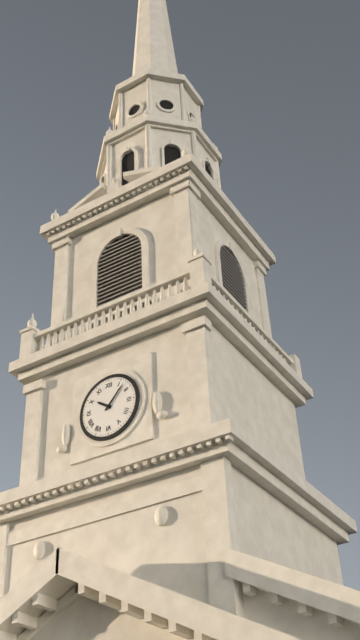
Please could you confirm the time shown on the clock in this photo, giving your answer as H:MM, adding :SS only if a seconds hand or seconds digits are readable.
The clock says 10:07
